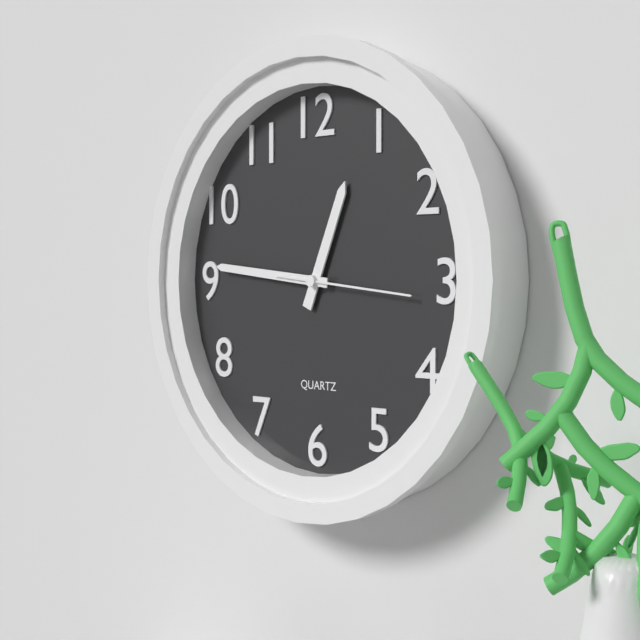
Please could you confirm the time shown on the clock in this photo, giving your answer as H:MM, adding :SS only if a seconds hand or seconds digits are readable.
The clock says 12:46:16
